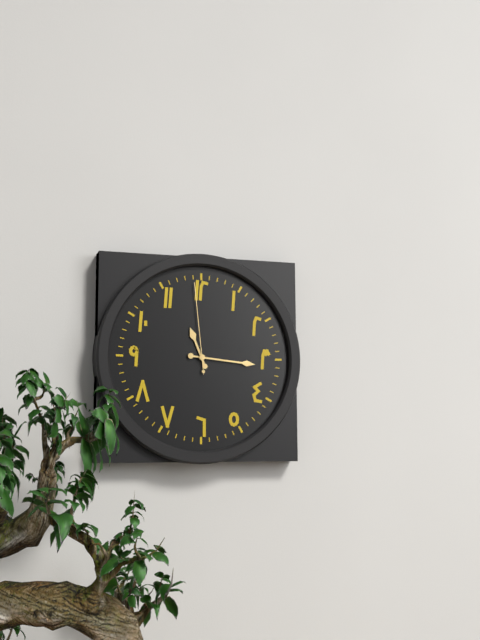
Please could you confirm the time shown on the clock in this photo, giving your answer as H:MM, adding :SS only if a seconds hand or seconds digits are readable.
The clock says 11:16:59
